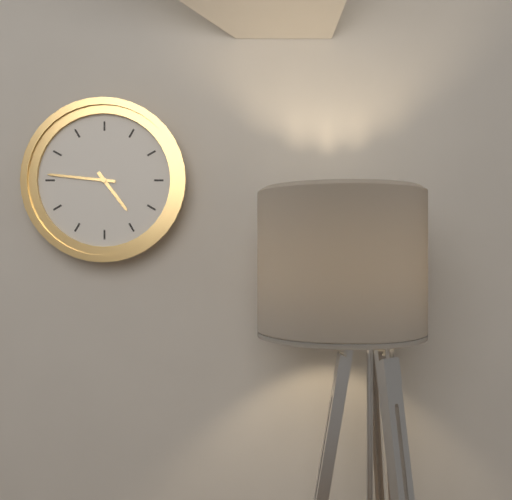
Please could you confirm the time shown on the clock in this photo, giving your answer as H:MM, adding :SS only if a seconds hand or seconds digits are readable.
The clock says 4:46
